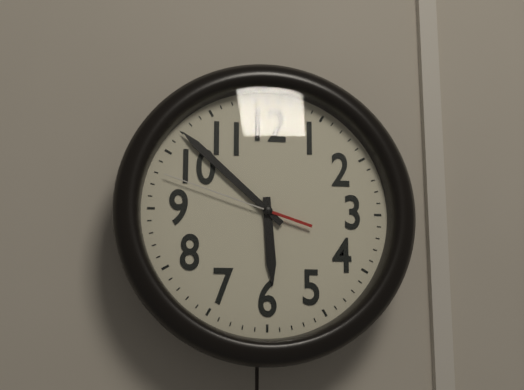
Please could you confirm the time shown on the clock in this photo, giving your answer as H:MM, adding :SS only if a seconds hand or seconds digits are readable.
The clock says 5:52:48
